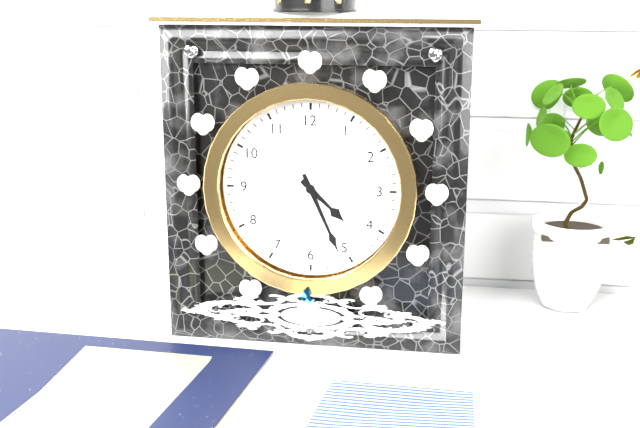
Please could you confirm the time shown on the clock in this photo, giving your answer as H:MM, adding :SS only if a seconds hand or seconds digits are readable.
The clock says 4:26
